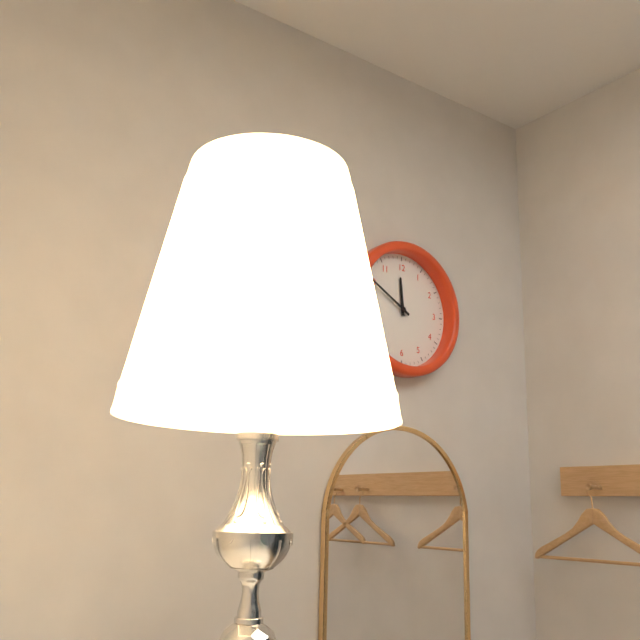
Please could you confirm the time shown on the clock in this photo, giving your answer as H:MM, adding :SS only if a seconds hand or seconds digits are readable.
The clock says 11:50
